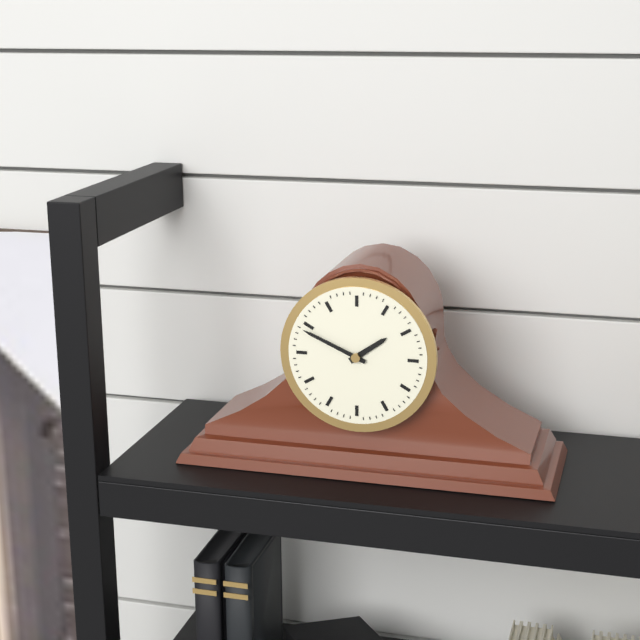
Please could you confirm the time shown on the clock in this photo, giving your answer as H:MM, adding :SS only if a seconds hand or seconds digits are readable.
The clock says 1:49
